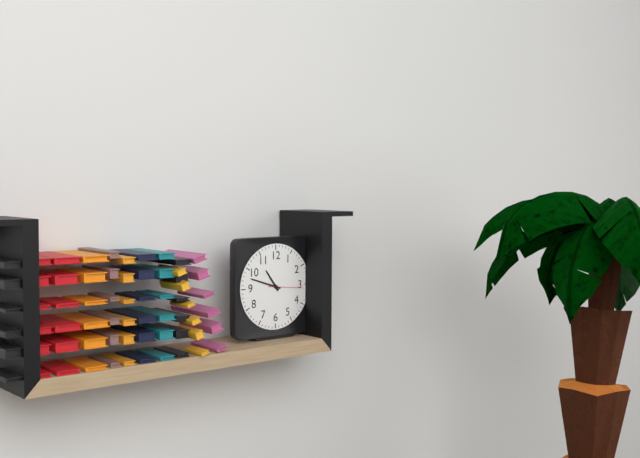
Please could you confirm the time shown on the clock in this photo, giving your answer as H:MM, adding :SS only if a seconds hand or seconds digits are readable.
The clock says 10:48
